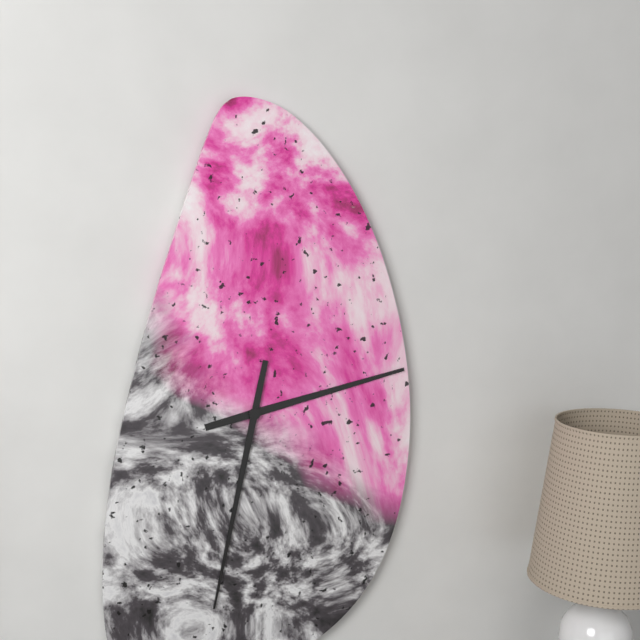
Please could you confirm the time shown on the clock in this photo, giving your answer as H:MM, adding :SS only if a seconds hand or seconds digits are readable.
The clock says 2:32
